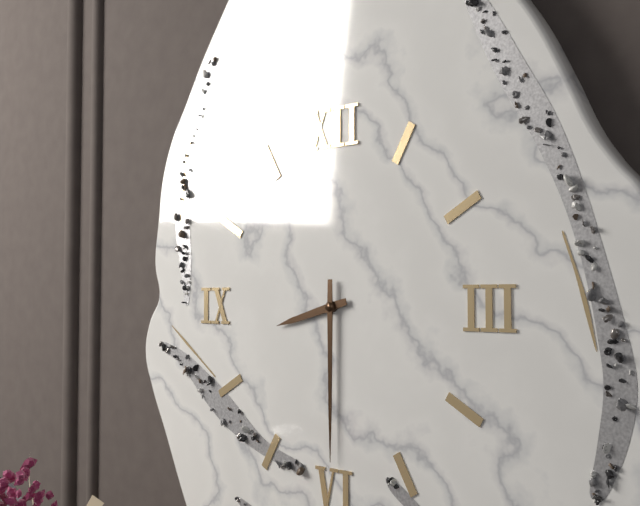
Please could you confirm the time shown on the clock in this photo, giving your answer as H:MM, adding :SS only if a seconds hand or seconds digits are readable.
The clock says 8:30
